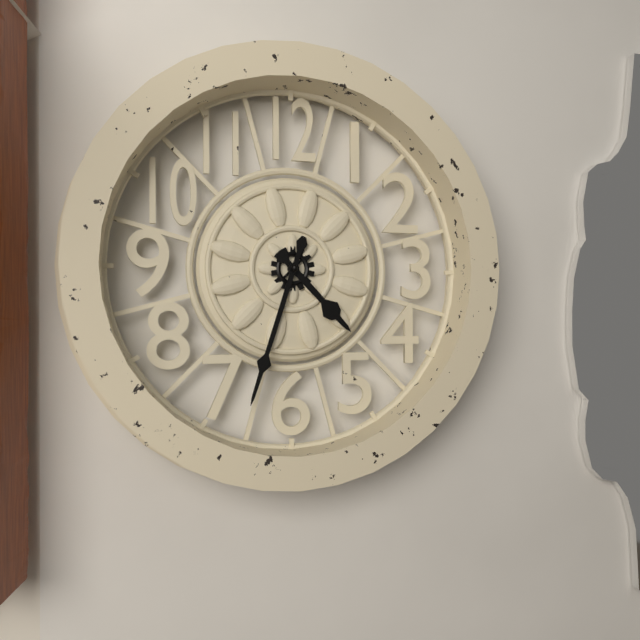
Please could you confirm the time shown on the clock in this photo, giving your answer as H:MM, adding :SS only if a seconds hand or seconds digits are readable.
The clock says 4:33
